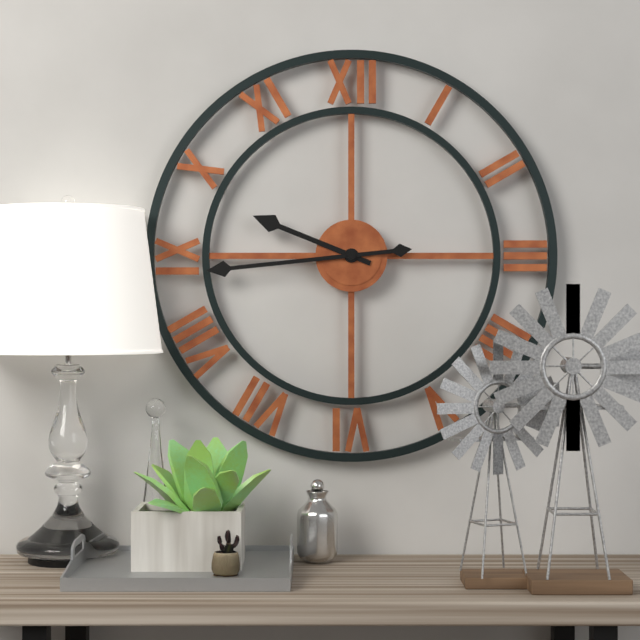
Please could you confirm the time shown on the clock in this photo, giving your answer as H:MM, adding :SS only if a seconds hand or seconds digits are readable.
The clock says 9:44
